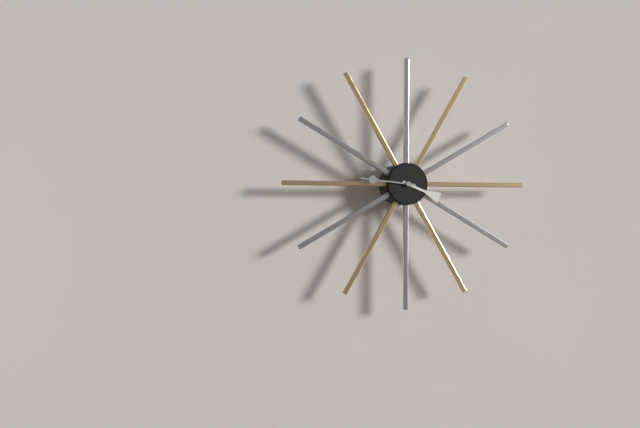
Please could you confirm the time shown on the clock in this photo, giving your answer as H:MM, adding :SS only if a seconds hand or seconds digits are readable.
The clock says 3:46
